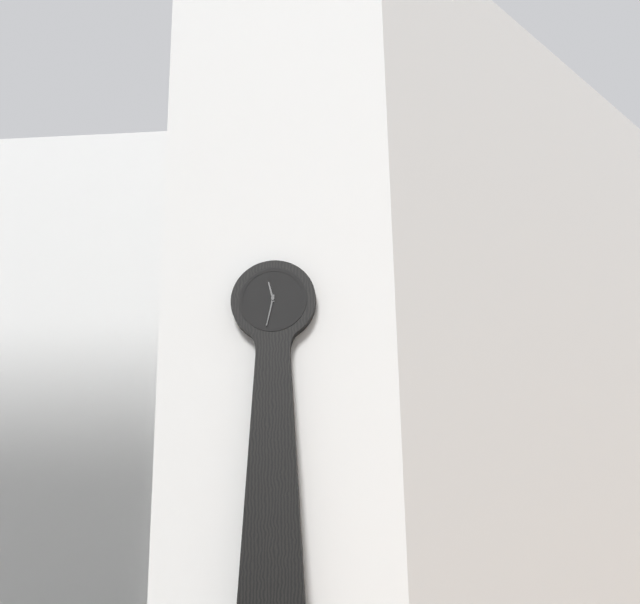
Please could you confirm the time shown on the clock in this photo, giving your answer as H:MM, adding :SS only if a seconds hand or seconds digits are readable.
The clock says 11:32
